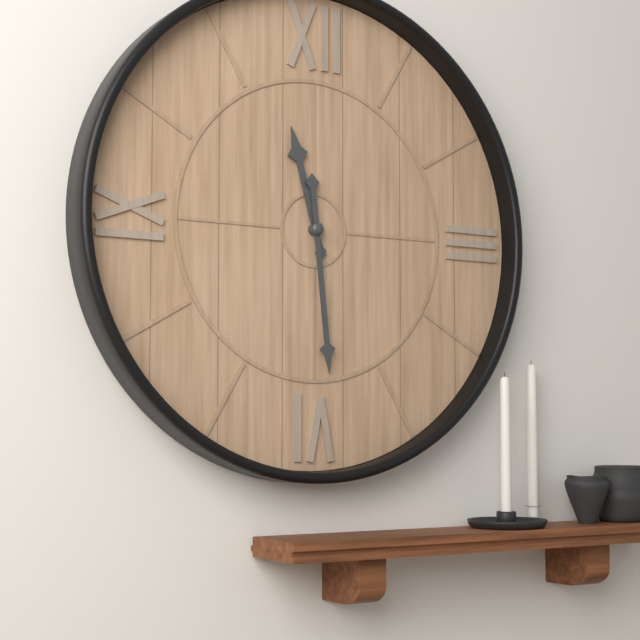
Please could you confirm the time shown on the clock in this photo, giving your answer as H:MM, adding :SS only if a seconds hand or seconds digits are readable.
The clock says 11:29
